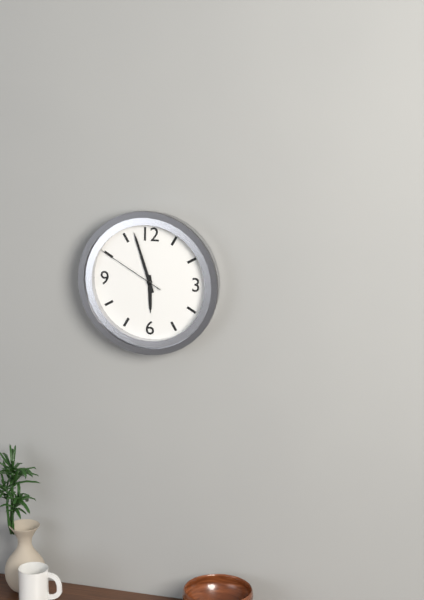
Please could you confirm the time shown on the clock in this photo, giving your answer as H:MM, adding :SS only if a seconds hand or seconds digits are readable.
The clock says 5:57:50
